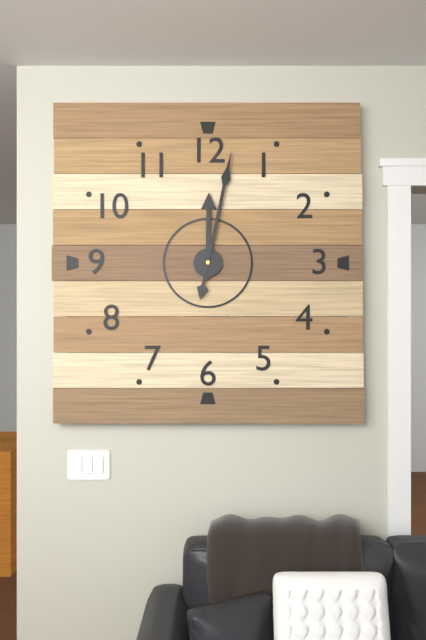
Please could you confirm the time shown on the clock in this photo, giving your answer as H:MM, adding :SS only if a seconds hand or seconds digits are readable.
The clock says 12:02
